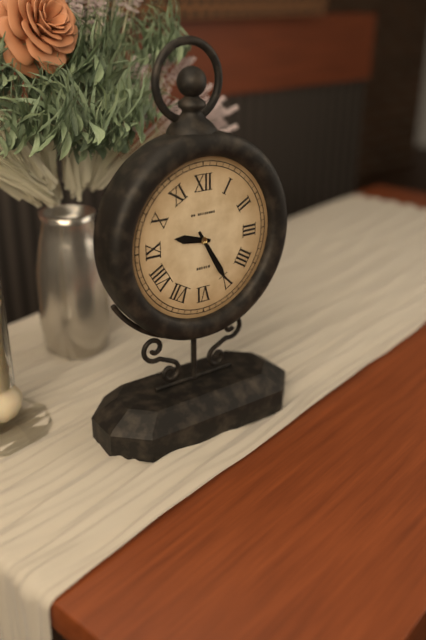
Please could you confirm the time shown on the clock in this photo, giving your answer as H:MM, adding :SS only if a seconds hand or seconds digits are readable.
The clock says 9:25
